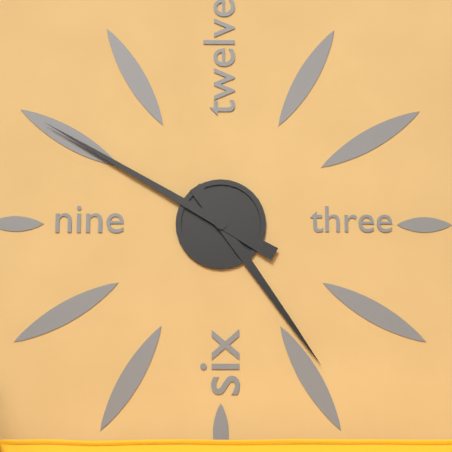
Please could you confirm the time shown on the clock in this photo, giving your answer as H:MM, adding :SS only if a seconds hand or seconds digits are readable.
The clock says 4:50
